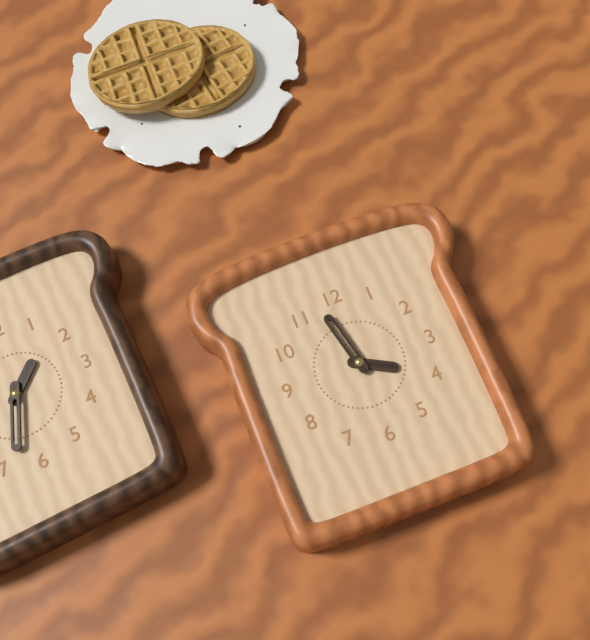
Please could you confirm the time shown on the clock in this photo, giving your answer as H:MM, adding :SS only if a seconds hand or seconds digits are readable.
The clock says 3:58
